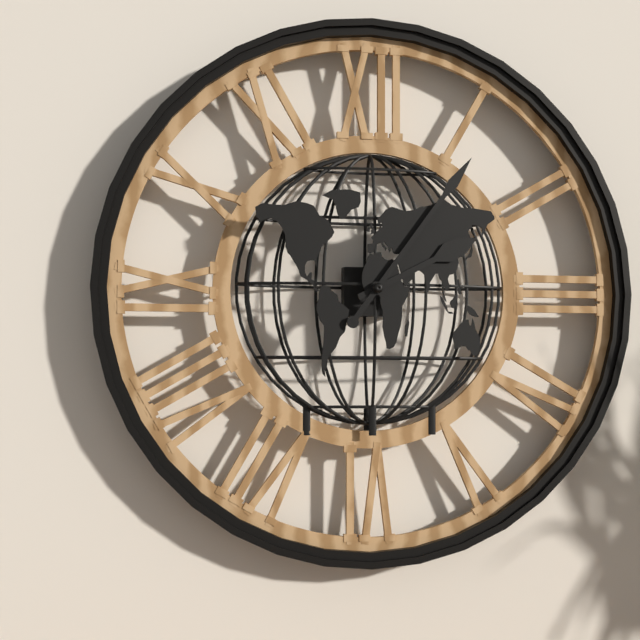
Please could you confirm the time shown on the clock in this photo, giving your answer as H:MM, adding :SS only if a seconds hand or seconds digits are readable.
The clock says 2:06
